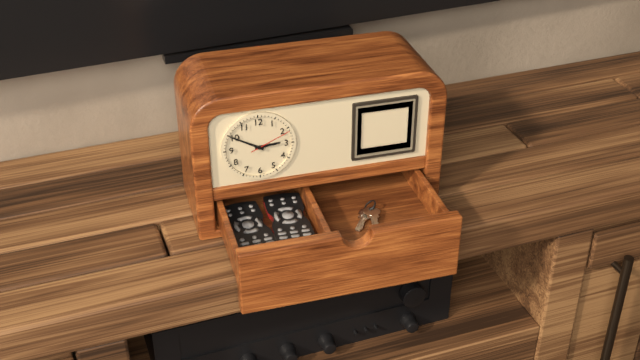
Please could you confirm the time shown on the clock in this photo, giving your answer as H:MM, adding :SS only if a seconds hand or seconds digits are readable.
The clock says 2:50
